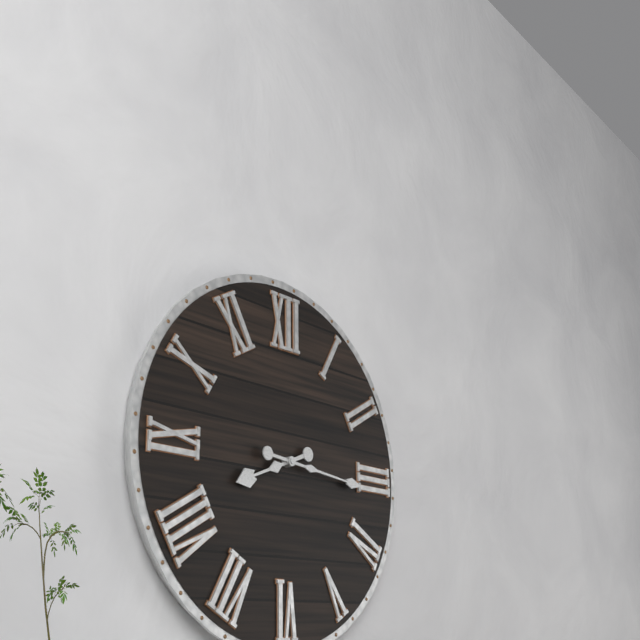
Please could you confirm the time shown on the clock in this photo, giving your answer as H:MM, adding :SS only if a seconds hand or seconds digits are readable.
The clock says 8:16
